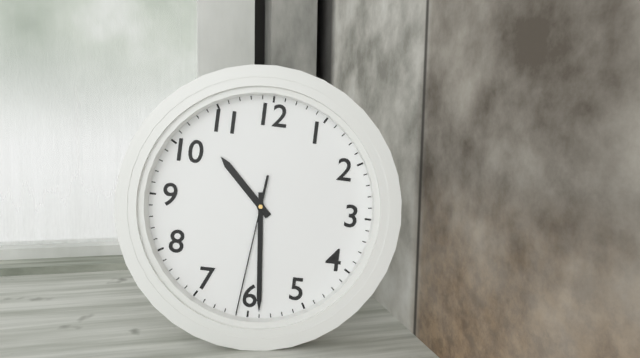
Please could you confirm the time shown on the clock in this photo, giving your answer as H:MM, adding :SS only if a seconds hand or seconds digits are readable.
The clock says 10:29:31
